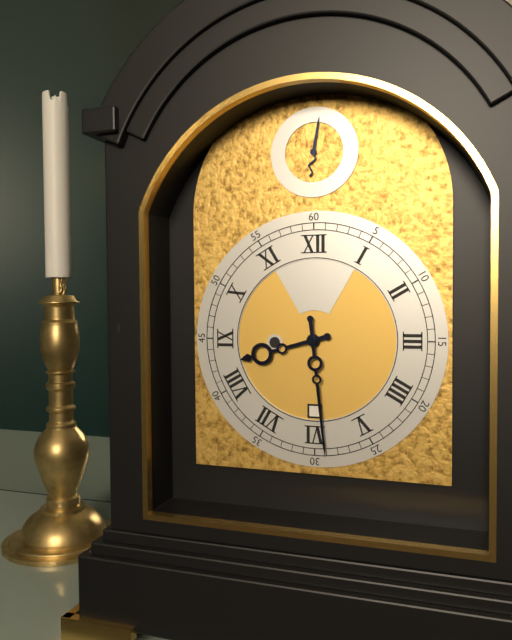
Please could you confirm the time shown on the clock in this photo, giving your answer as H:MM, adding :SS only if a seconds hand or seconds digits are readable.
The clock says 8:29
